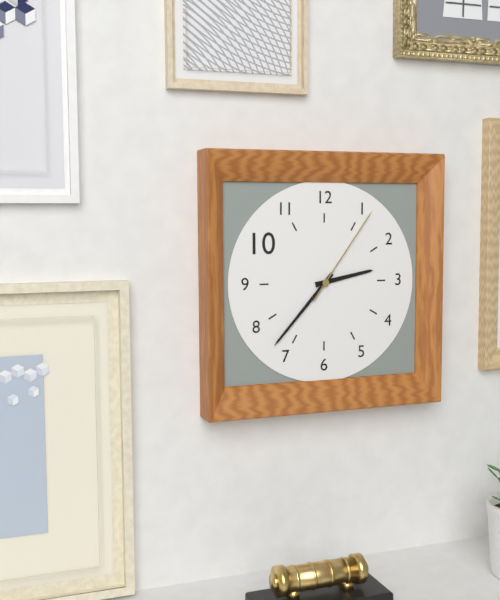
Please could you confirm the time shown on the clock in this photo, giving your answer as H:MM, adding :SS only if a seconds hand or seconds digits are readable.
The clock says 2:37:06
